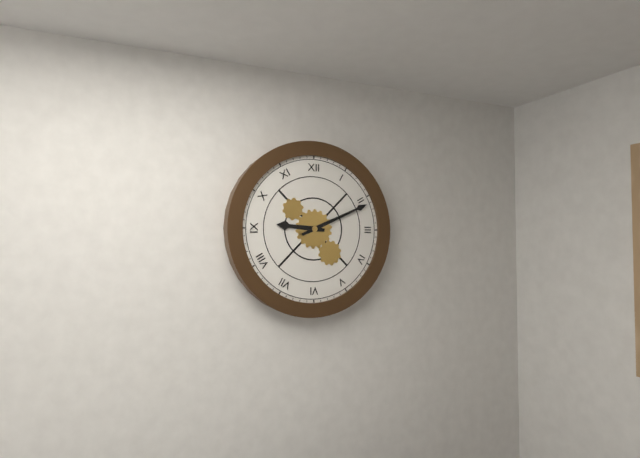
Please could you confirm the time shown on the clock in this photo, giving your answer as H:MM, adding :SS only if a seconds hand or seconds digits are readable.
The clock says 9:11
